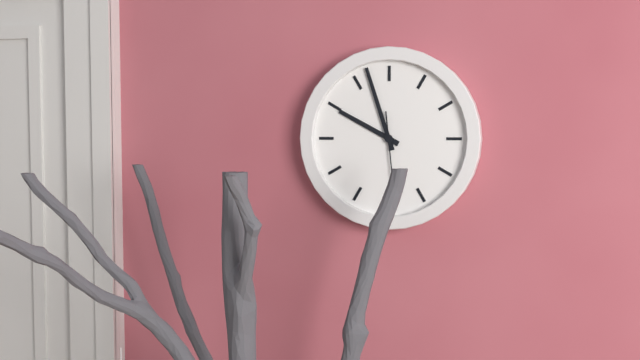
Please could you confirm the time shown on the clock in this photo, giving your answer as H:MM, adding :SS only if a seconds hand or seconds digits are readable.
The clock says 9:57
